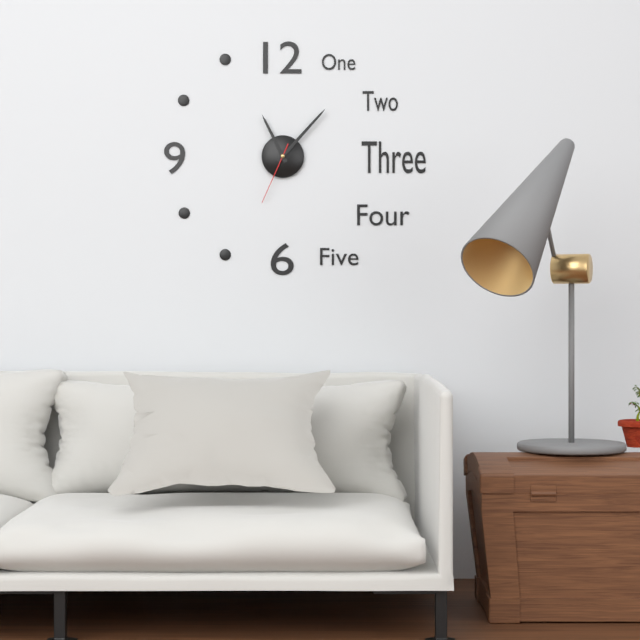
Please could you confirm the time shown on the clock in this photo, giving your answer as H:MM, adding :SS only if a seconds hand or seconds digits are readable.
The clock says 11:07:34
